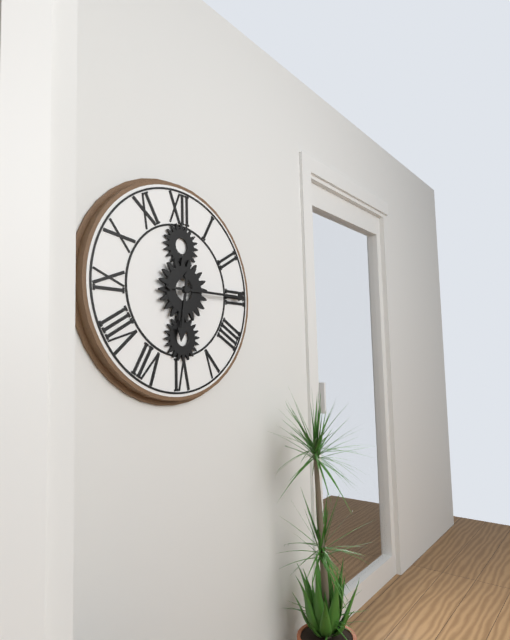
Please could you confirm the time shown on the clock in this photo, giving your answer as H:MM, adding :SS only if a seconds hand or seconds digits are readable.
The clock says 6:15
